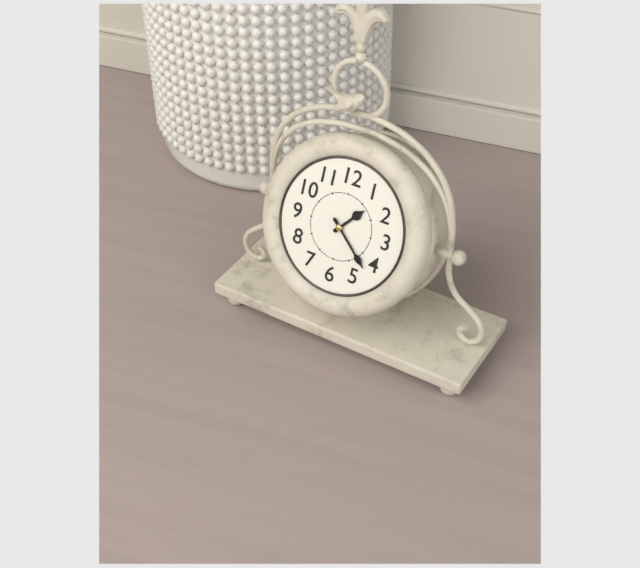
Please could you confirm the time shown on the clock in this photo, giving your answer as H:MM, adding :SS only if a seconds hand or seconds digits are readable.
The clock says 1:22
